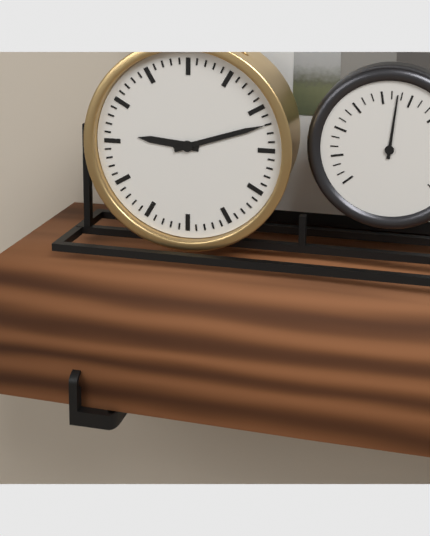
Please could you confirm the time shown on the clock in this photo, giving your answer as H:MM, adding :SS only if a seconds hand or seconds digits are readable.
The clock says 9:12
